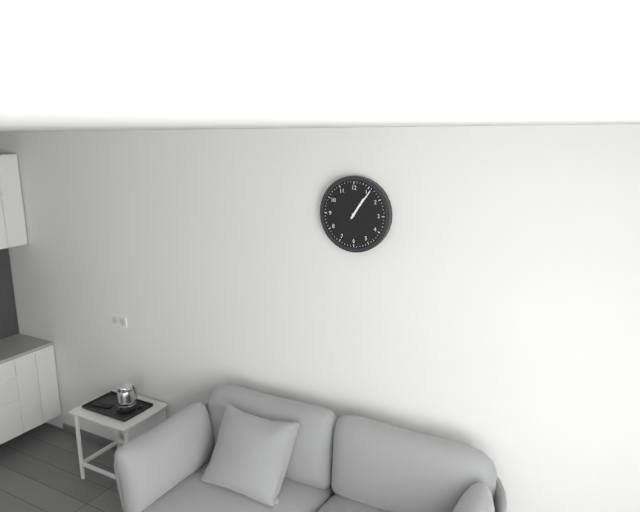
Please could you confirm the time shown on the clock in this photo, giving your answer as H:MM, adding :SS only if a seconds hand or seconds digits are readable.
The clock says 1:06
